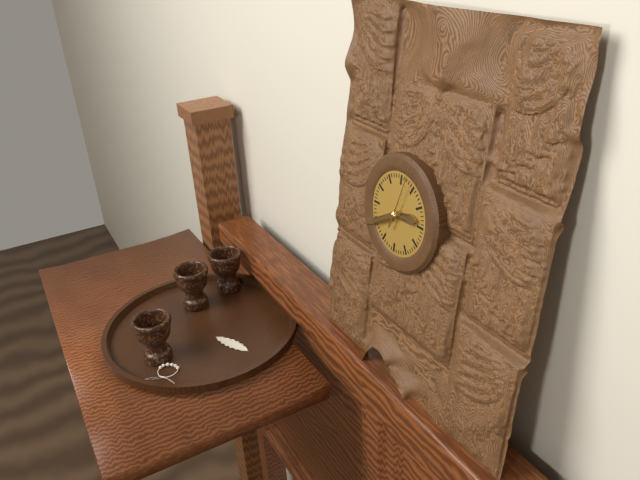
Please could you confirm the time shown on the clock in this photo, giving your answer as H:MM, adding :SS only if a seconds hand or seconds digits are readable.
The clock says 2:40:03
